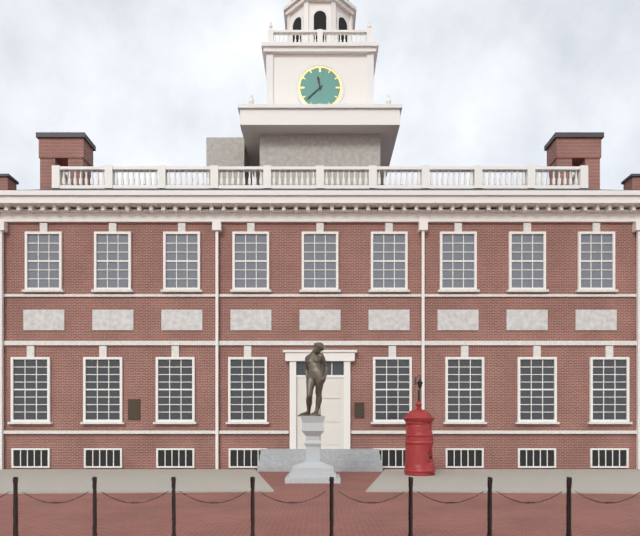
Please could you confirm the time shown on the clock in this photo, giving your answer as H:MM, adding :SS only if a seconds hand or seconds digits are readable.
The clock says 11:38
